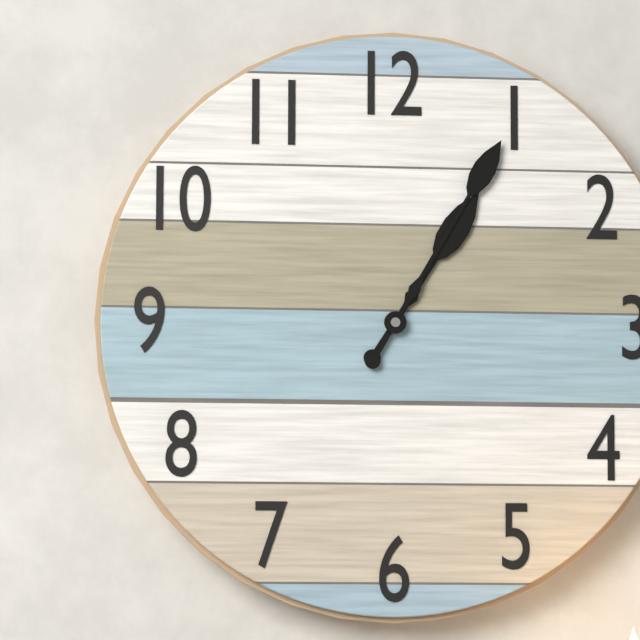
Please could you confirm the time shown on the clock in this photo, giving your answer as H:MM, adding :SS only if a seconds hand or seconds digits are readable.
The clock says 1:05
